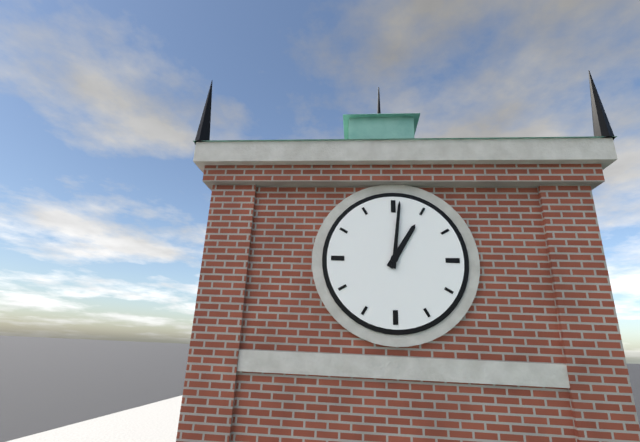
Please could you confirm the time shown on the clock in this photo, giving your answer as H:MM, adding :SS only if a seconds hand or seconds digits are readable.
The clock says 1:01
